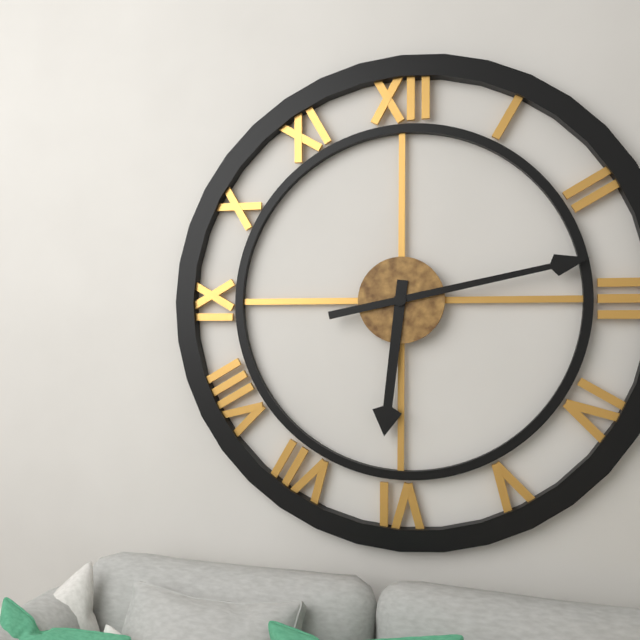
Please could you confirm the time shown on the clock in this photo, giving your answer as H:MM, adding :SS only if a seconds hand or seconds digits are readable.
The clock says 6:13
